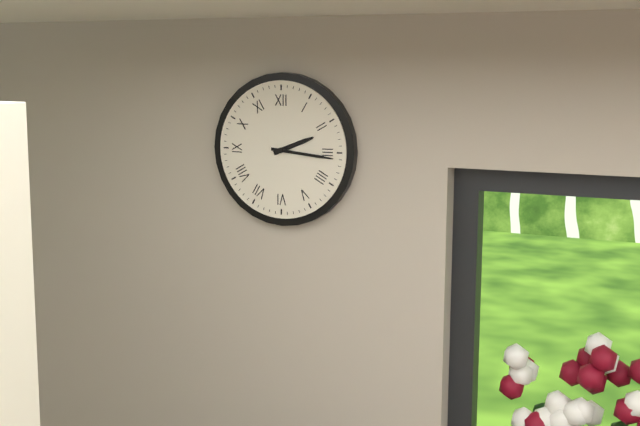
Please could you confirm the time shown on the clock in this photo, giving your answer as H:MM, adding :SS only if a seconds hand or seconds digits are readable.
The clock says 2:16
